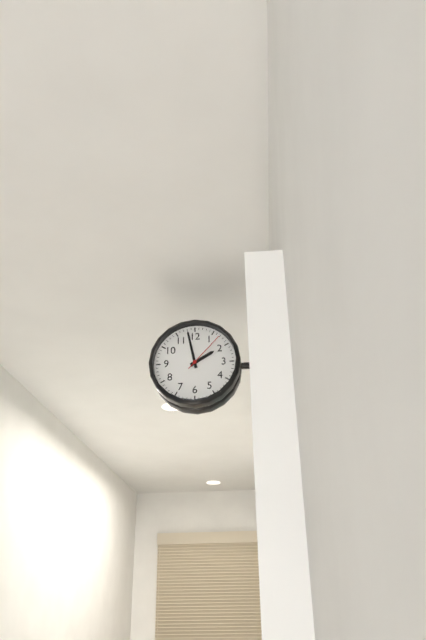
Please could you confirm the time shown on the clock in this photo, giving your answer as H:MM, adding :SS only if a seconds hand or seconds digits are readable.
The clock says 1:58
